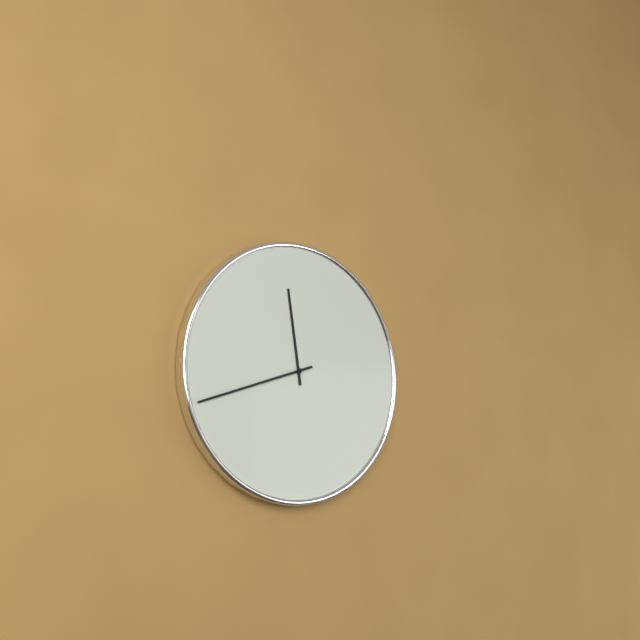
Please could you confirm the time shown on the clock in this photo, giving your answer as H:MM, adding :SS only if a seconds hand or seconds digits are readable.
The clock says 11:42
